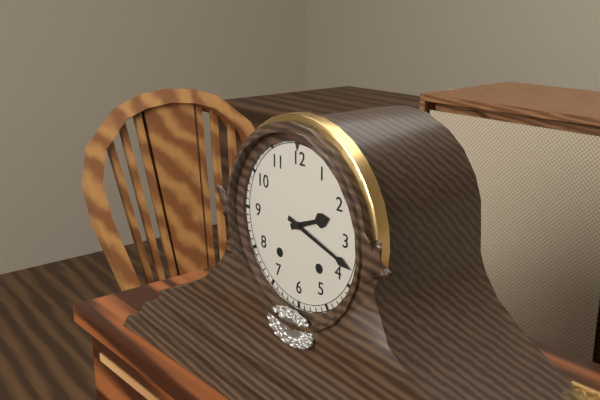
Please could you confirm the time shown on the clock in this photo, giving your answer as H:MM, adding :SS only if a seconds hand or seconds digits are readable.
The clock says 2:18
